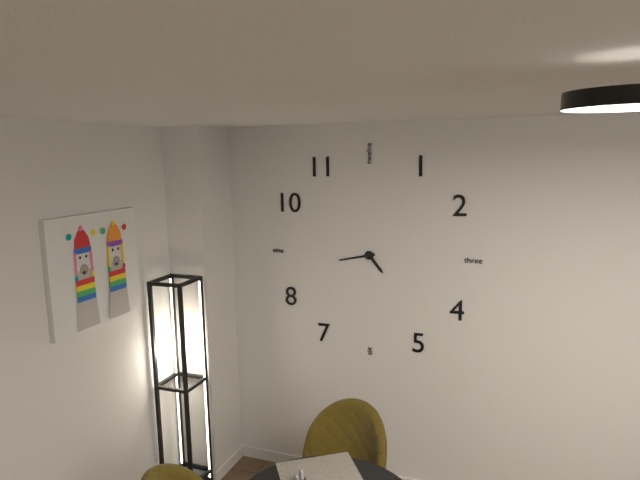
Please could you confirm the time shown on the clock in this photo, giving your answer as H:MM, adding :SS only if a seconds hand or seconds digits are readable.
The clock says 4:43
